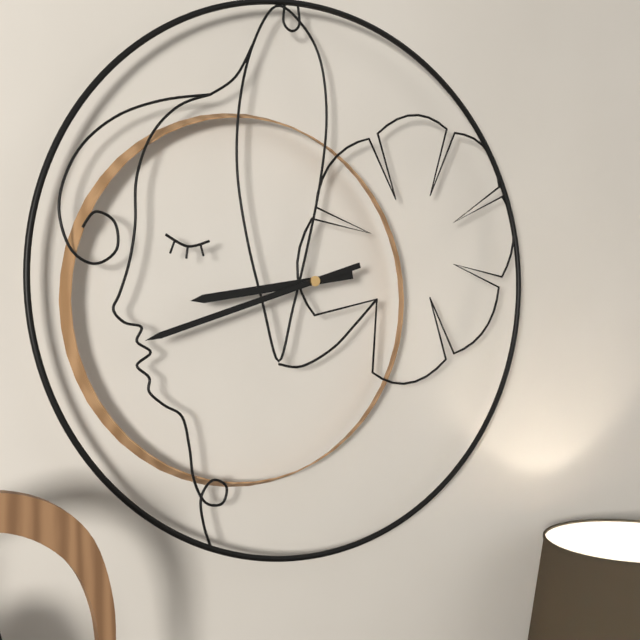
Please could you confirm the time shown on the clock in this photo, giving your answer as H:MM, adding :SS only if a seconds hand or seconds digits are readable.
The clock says 8:42
